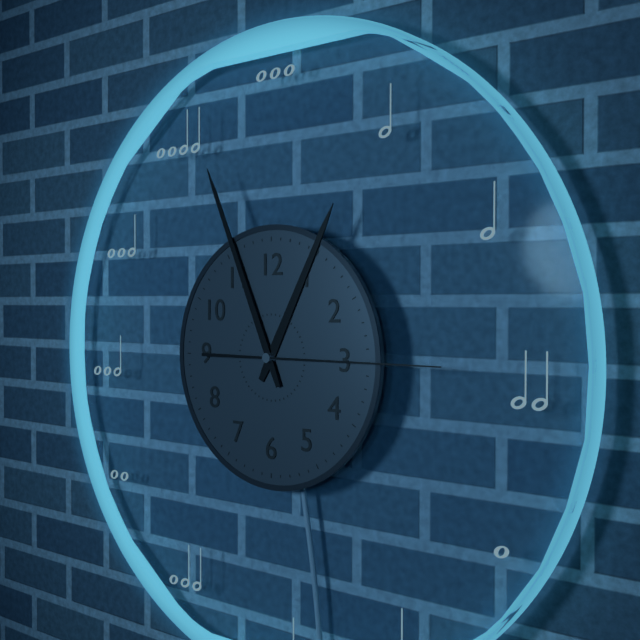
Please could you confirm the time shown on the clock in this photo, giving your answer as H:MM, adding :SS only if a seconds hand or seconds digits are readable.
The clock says 12:56:15
